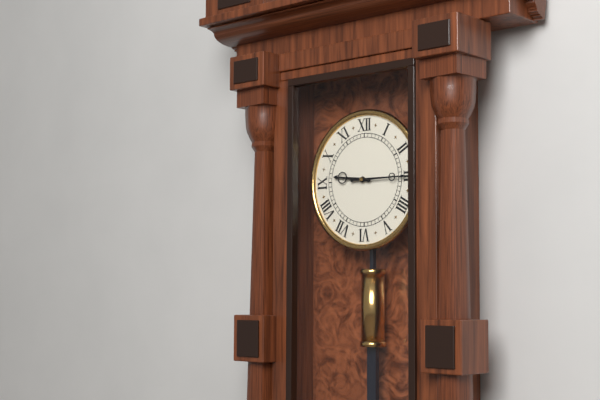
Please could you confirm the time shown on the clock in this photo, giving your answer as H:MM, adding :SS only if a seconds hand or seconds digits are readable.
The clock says 9:15
